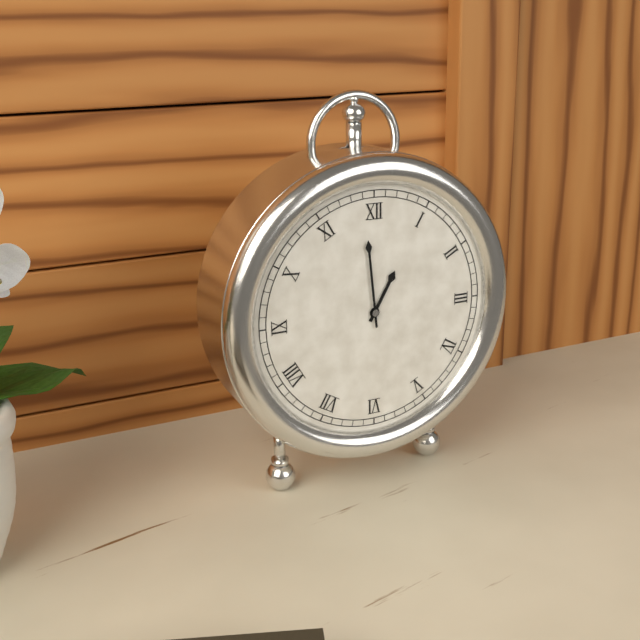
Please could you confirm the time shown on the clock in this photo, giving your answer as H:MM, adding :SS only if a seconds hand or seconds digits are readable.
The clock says 12:59
